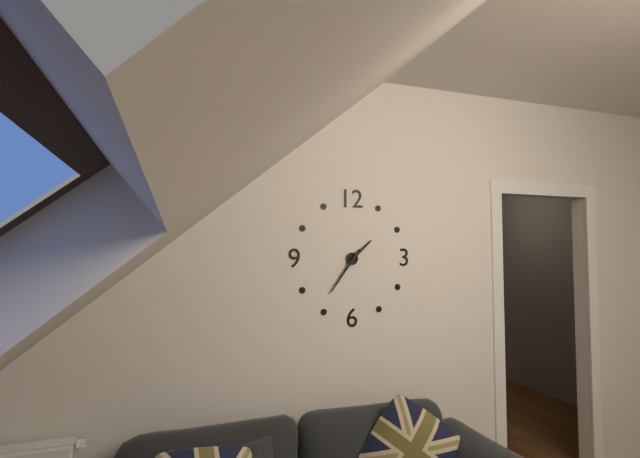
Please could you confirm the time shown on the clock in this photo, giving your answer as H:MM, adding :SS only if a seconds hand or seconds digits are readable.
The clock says 1:36
